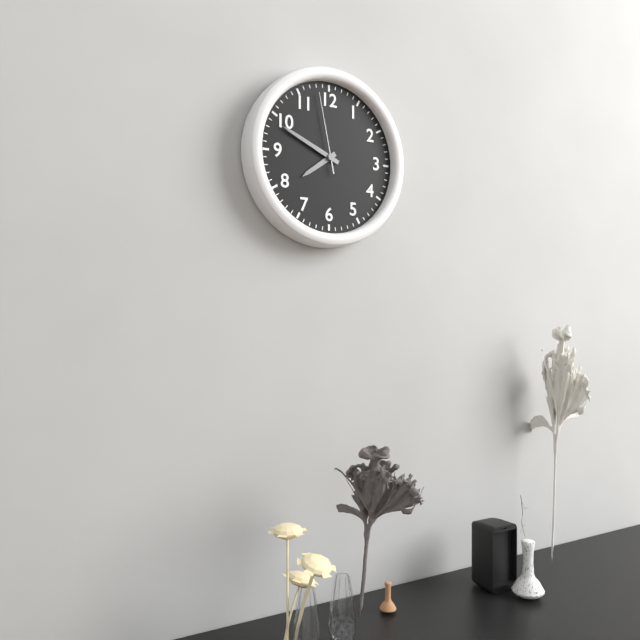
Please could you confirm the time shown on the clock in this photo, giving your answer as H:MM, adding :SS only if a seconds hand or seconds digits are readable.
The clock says 7:49:58
